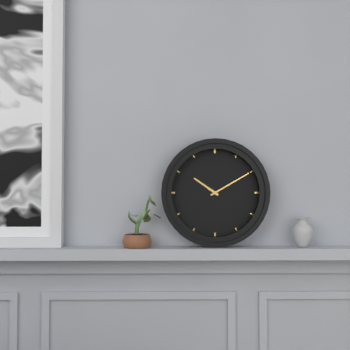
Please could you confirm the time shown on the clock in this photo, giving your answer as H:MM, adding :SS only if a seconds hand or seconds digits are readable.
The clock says 10:10
